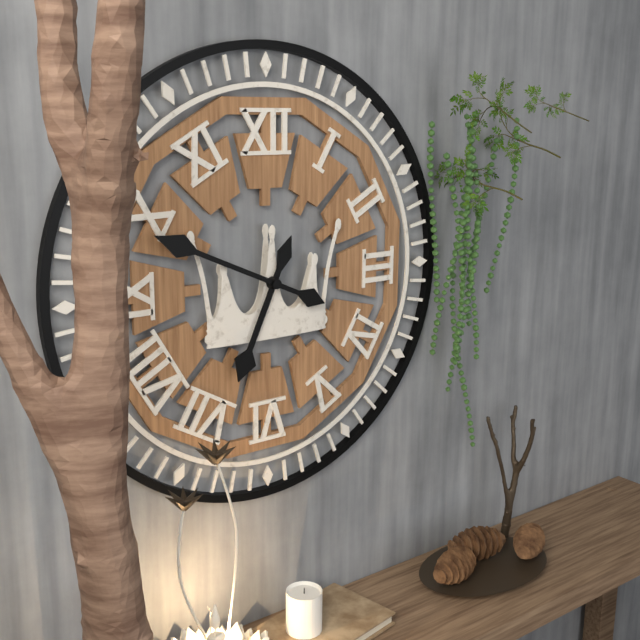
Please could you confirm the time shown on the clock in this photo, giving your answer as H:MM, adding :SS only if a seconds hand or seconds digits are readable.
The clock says 6:49
